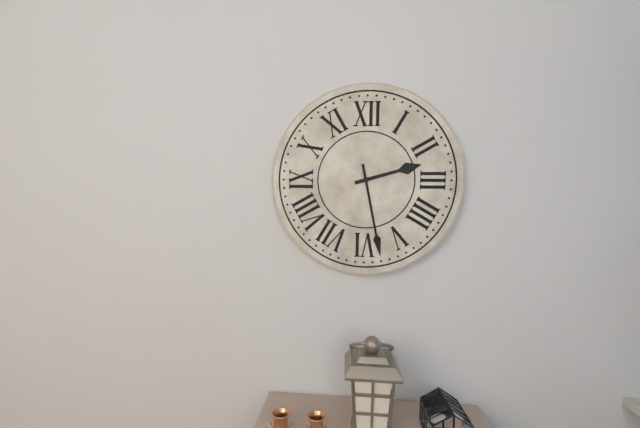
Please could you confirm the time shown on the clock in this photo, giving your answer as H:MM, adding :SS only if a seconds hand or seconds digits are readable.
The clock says 2:28
